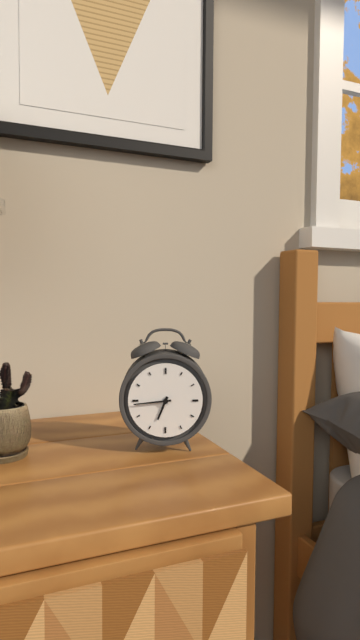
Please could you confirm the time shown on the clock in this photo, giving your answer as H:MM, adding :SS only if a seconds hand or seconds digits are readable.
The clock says 6:44
